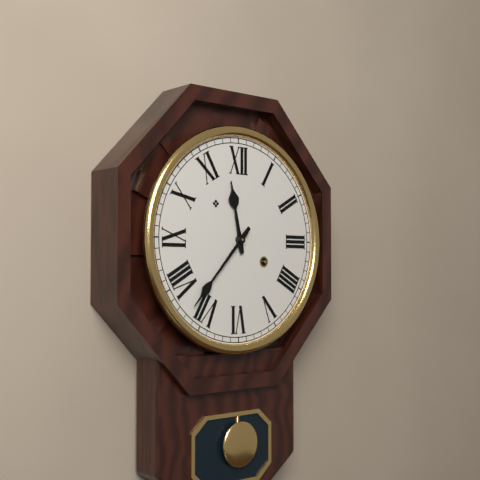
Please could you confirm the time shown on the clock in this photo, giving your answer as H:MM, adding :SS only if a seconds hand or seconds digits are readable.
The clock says 11:37
